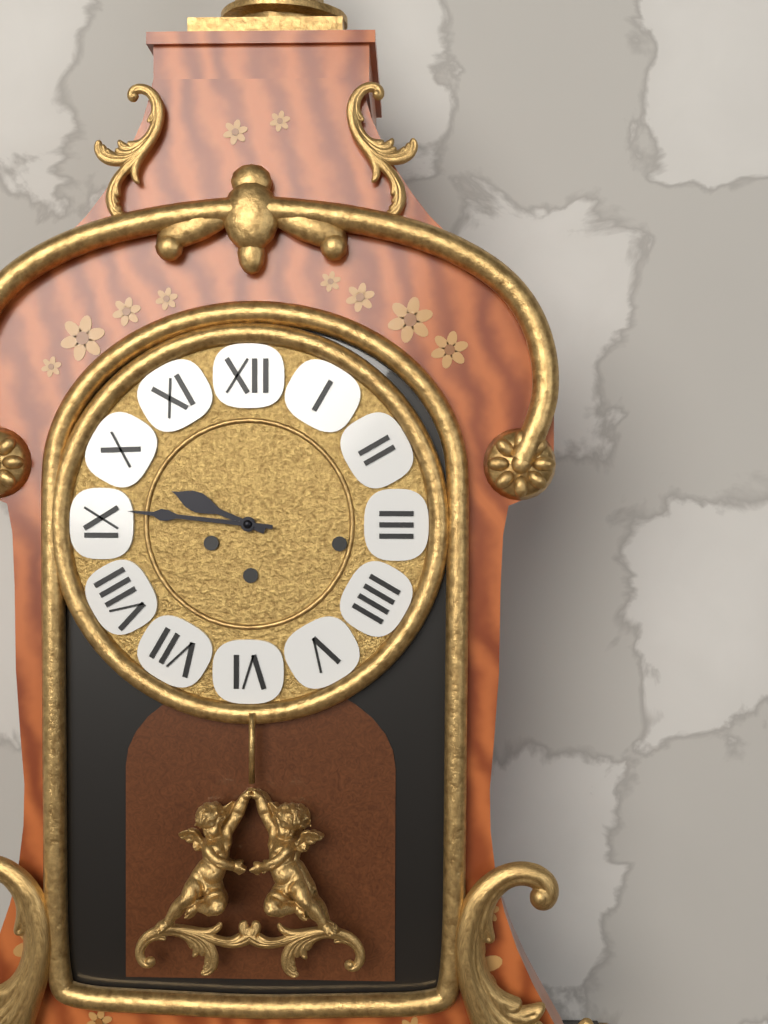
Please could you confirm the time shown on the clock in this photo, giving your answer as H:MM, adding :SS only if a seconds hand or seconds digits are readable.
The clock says 9:46
